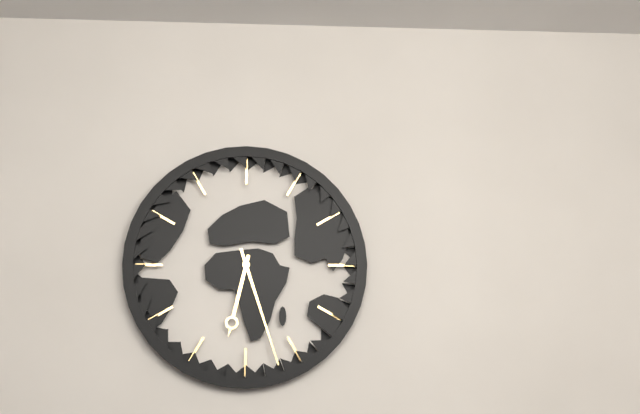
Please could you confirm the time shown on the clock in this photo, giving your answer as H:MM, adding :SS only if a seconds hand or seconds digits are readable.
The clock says 6:27
